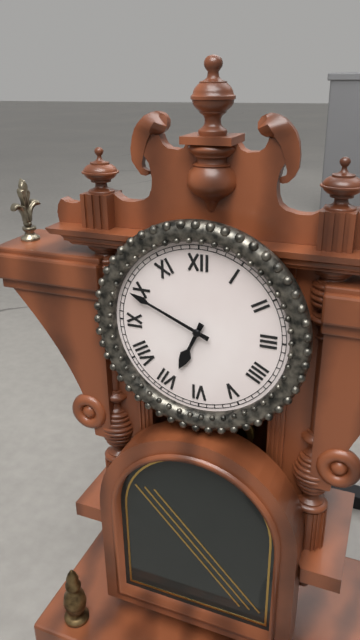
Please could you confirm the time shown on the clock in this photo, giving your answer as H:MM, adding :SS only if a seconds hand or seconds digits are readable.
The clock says 6:49
